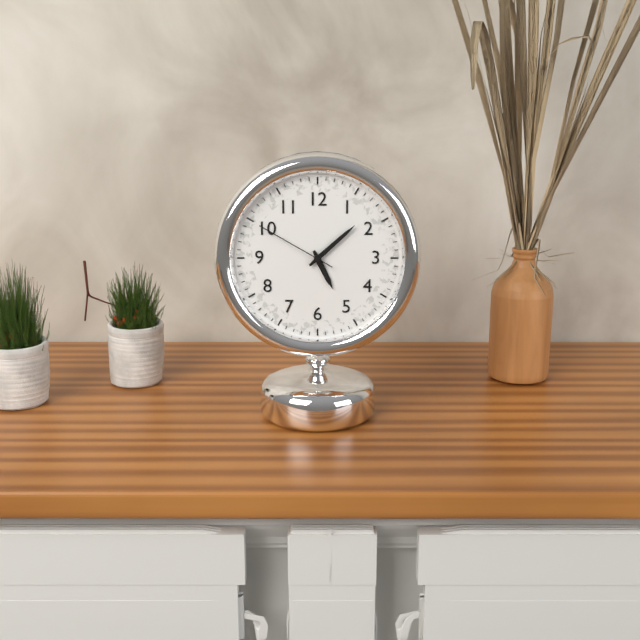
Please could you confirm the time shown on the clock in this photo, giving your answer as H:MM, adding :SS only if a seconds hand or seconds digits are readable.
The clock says 5:08:50
